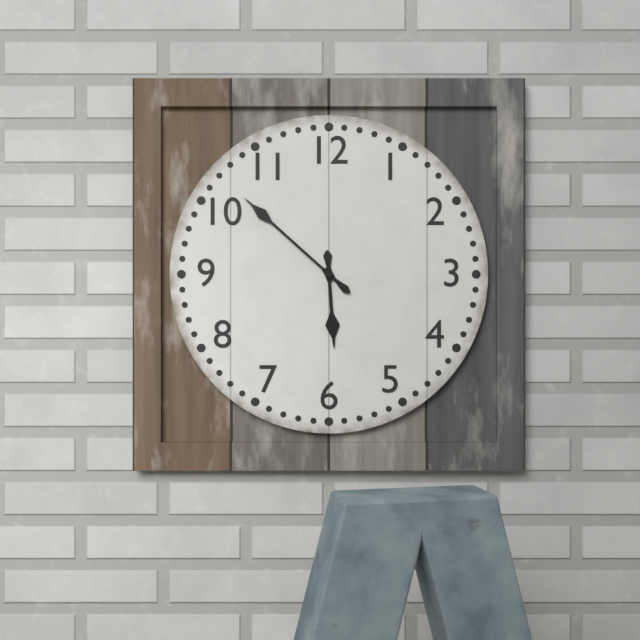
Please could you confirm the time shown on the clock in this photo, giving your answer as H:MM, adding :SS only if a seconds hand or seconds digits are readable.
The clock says 5:52
